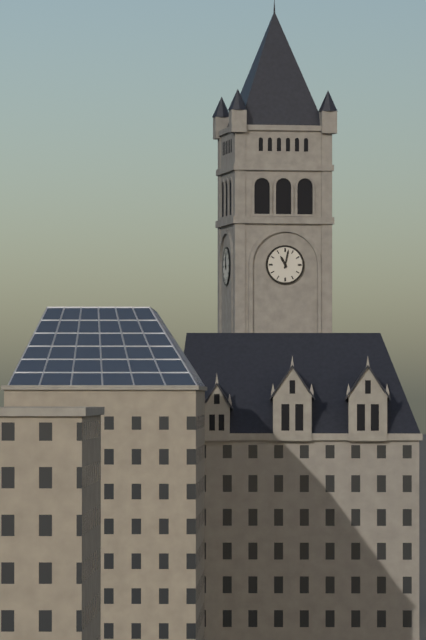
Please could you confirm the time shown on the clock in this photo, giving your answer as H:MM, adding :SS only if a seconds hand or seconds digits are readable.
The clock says 11:02
